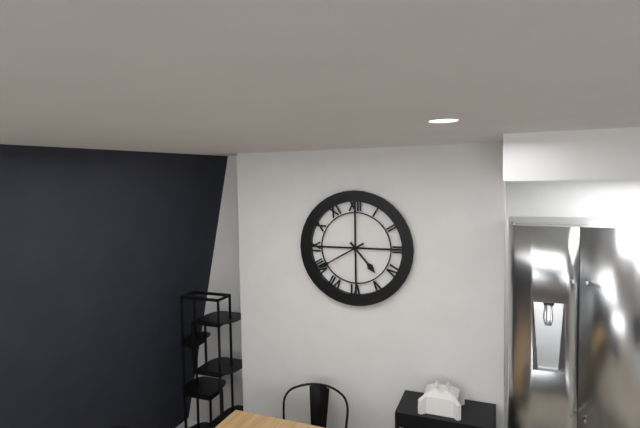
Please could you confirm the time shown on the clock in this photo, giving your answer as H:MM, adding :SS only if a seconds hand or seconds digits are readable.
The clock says 4:40
